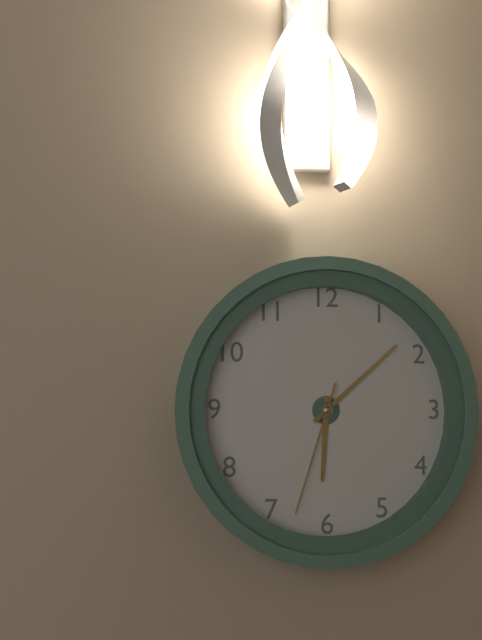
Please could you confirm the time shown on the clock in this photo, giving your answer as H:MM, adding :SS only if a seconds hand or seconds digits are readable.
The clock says 6:08:33
